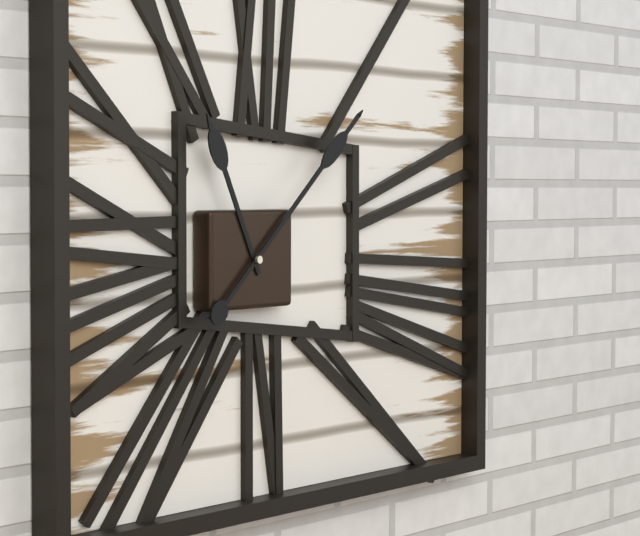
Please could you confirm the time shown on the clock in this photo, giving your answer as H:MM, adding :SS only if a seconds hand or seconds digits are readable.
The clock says 11:08
